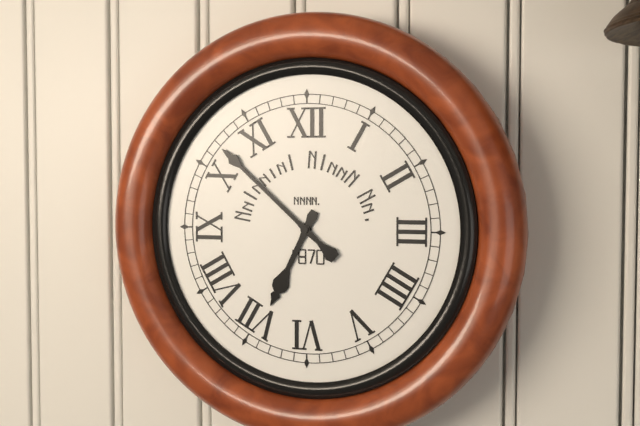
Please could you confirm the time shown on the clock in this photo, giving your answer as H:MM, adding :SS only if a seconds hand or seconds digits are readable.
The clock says 6:52
